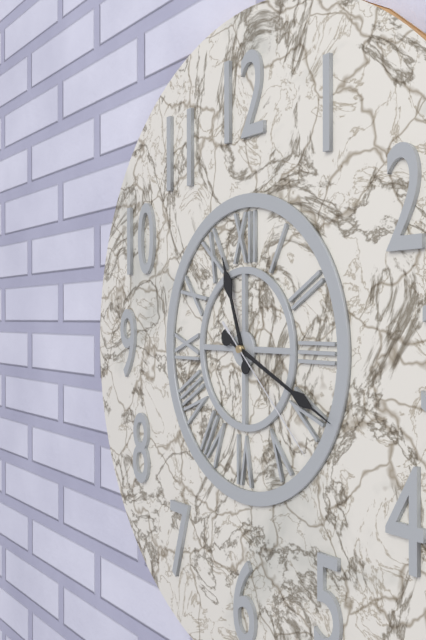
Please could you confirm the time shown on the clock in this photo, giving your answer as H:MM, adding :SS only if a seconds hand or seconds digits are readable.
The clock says 11:19:22
